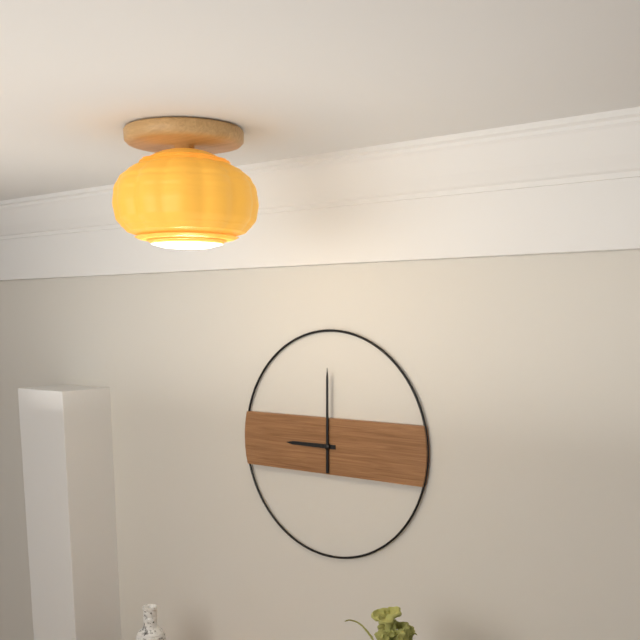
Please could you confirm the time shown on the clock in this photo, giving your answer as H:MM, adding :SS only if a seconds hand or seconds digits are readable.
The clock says 9:00
